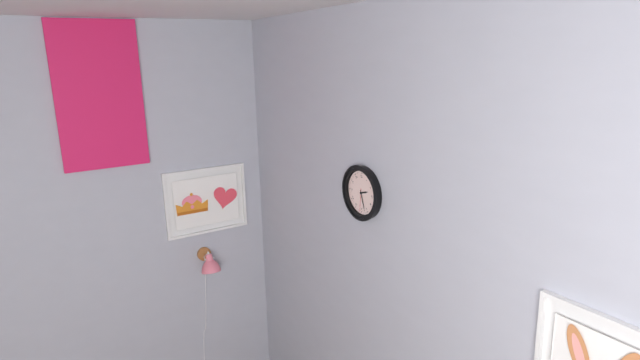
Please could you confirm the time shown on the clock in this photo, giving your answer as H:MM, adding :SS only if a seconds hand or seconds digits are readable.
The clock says 2:27
